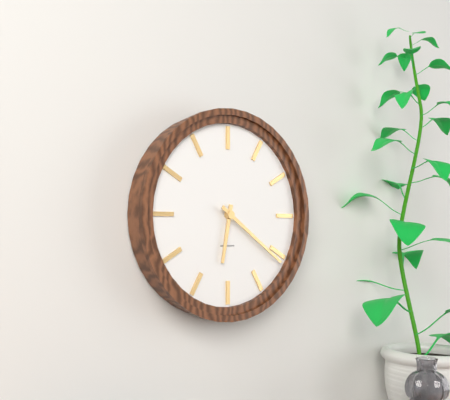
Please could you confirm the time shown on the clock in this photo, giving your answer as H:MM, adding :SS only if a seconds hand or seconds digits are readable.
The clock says 6:21
